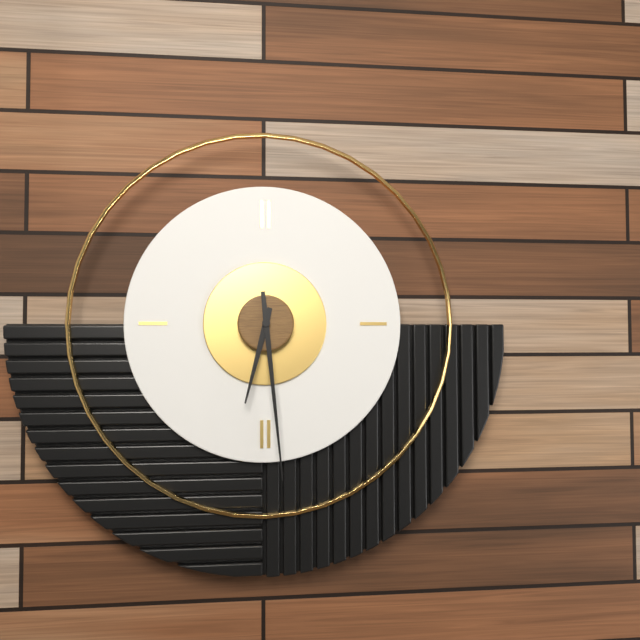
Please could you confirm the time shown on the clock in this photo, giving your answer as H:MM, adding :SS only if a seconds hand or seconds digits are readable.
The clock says 6:29
